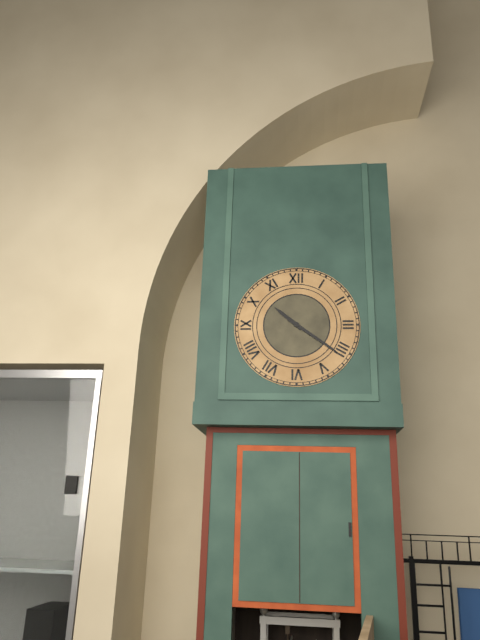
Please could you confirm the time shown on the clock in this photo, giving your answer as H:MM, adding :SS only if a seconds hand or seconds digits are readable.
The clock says 10:21
